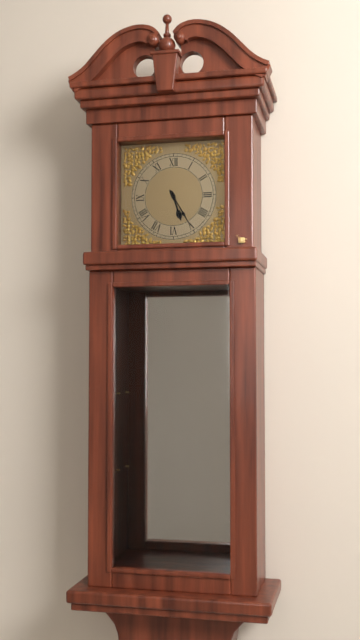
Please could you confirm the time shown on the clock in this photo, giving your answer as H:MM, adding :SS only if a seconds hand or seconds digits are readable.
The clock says 5:25
